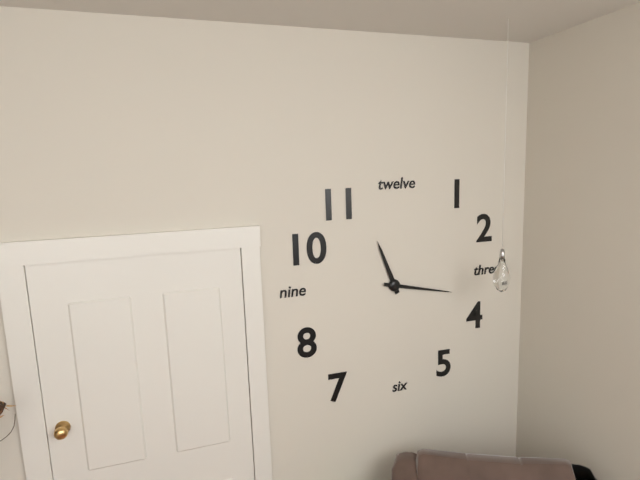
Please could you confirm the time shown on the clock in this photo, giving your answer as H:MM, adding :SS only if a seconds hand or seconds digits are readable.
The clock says 11:17
